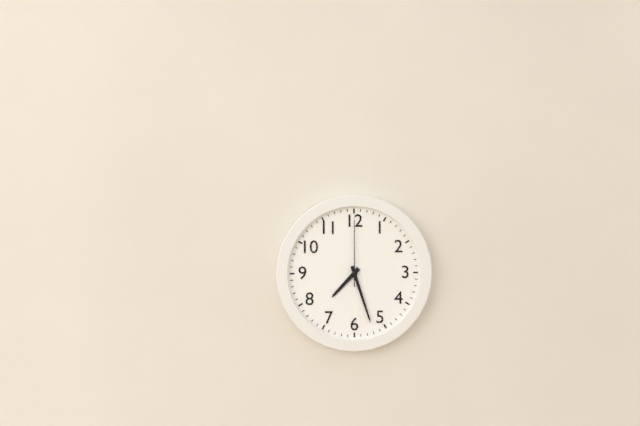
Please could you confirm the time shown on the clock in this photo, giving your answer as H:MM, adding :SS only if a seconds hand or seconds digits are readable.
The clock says 7:27:00
